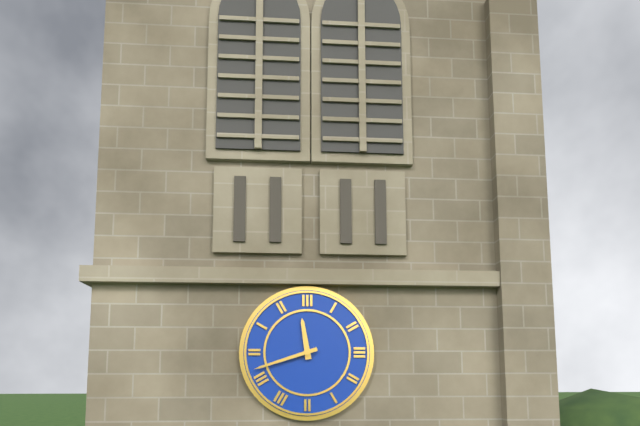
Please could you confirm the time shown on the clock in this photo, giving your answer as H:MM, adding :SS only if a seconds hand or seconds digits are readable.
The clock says 11:42
